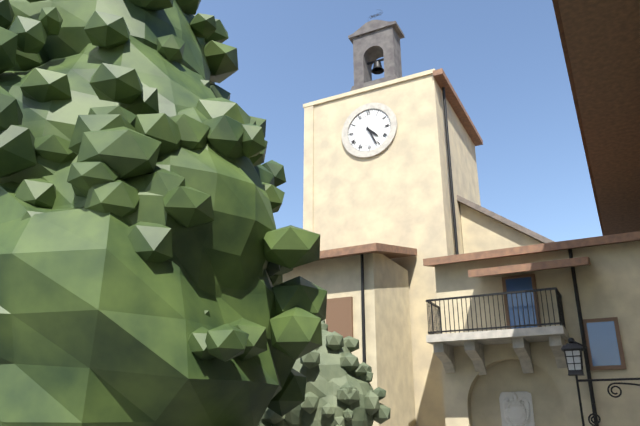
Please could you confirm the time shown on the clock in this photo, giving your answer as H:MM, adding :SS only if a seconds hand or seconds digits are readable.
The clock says 4:26
